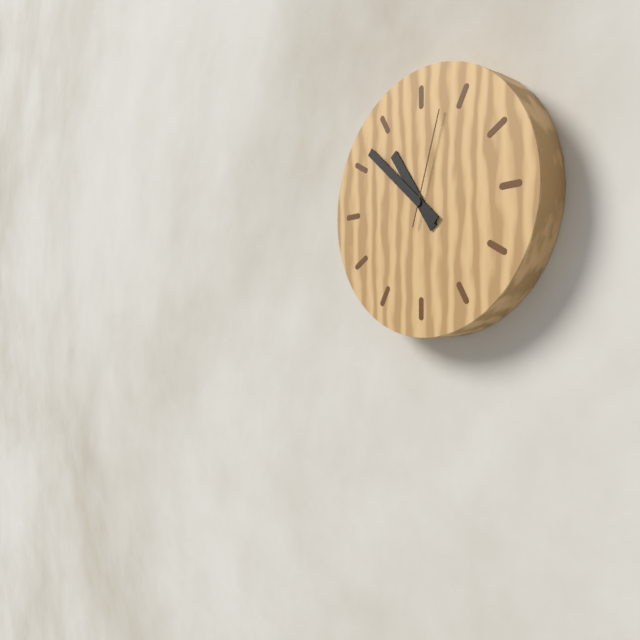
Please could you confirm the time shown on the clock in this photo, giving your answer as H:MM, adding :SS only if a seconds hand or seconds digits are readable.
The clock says 10:52:03
